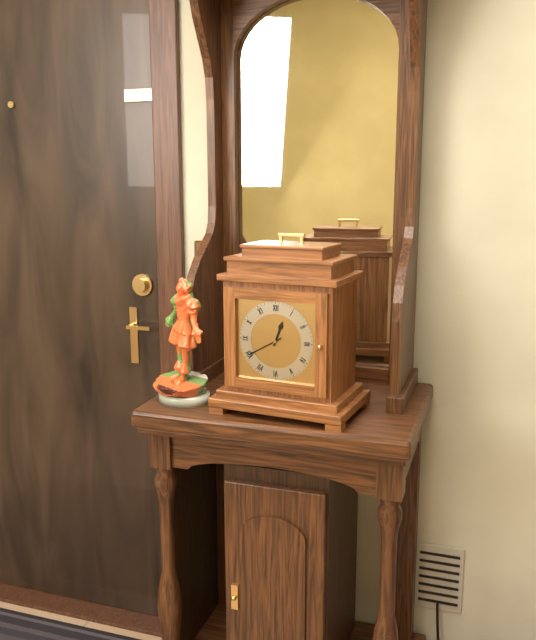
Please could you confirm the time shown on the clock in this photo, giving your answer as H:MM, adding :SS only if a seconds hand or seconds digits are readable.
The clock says 12:40
